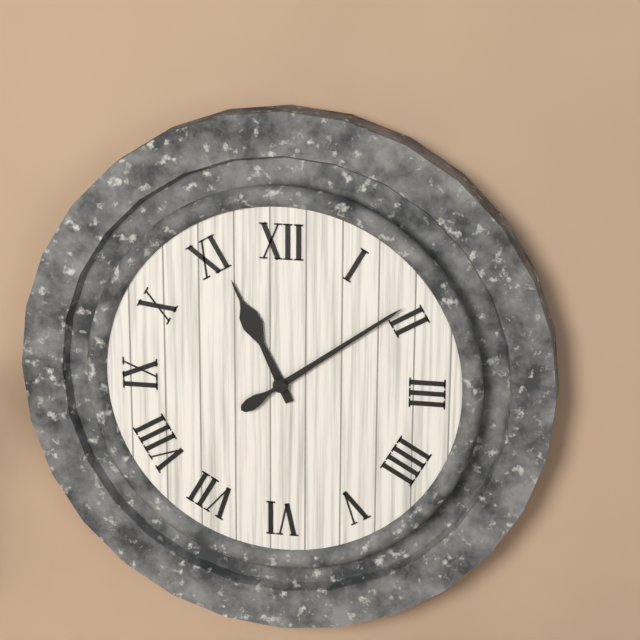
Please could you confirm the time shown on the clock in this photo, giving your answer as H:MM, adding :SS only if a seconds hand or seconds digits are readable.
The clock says 11:09
